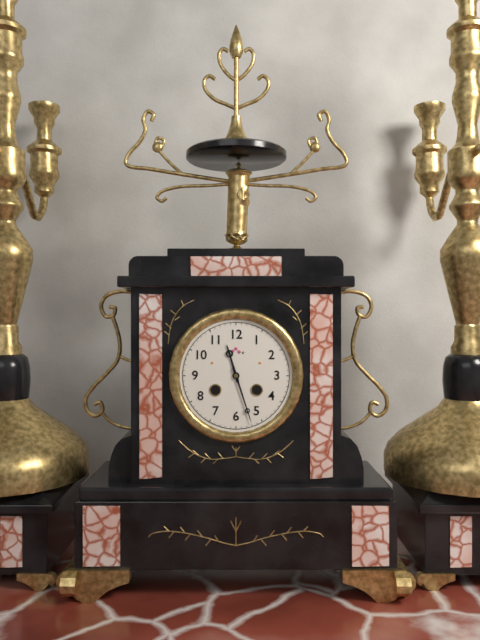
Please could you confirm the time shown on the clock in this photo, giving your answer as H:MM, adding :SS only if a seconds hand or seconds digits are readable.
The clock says 11:27
